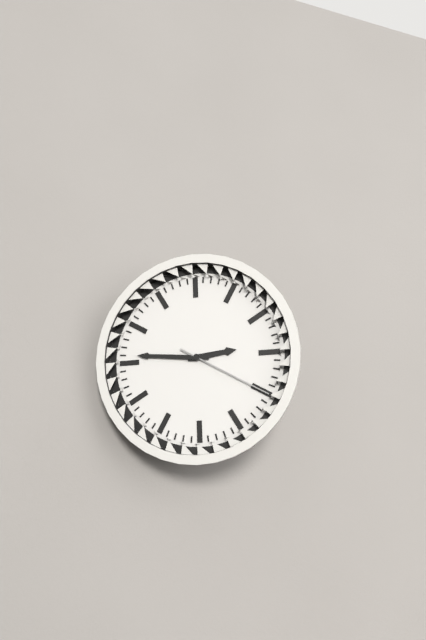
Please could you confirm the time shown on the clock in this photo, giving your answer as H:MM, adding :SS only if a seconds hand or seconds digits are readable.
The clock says 2:46:20
